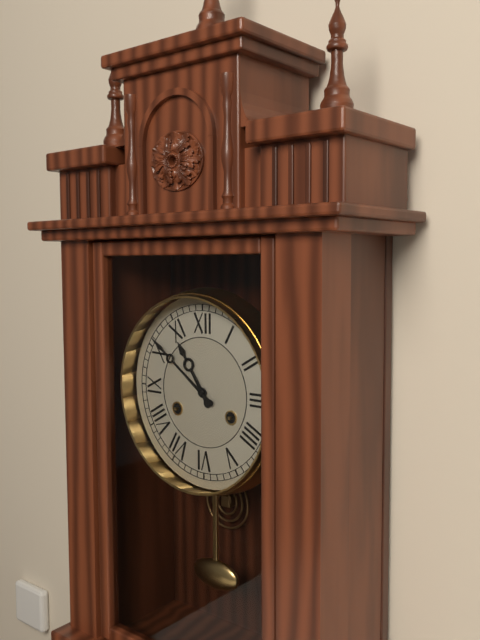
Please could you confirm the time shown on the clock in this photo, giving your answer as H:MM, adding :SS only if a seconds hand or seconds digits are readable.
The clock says 10:51
